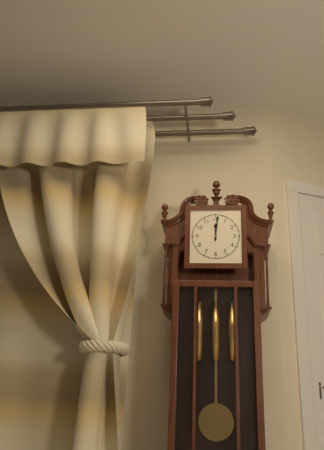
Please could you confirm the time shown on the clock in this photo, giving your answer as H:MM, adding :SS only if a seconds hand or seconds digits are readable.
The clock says 12:01
